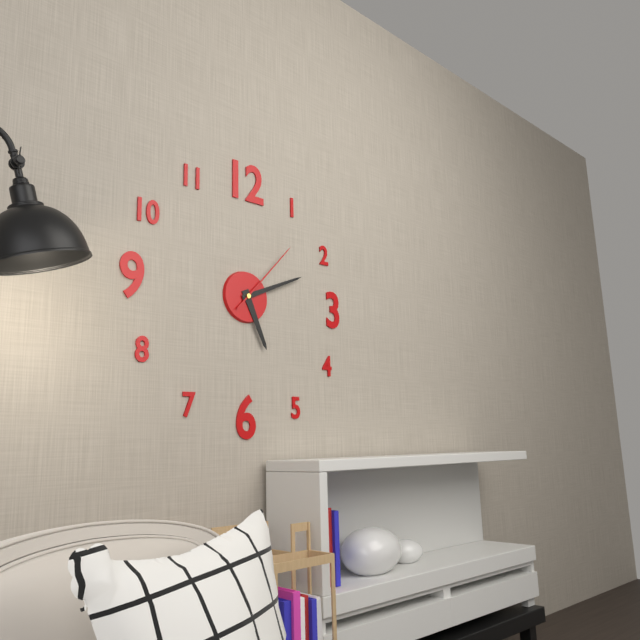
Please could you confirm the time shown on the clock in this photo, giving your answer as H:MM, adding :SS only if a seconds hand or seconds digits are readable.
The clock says 5:11:07
